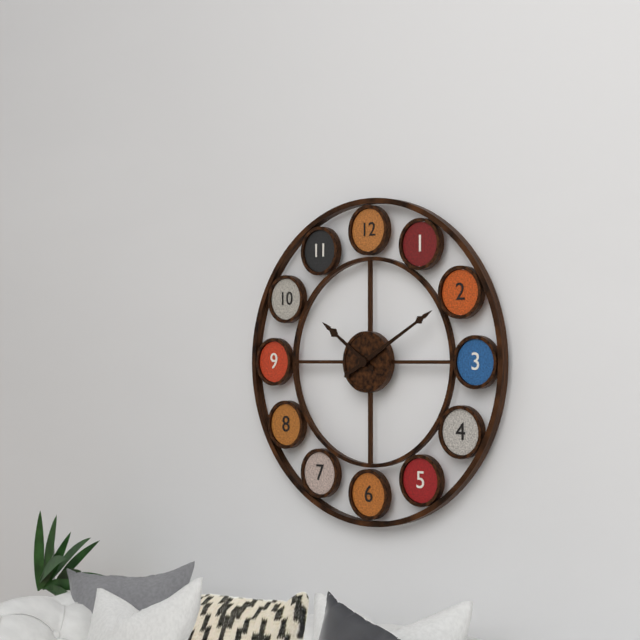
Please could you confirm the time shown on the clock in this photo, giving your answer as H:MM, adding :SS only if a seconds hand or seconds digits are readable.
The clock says 10:10
